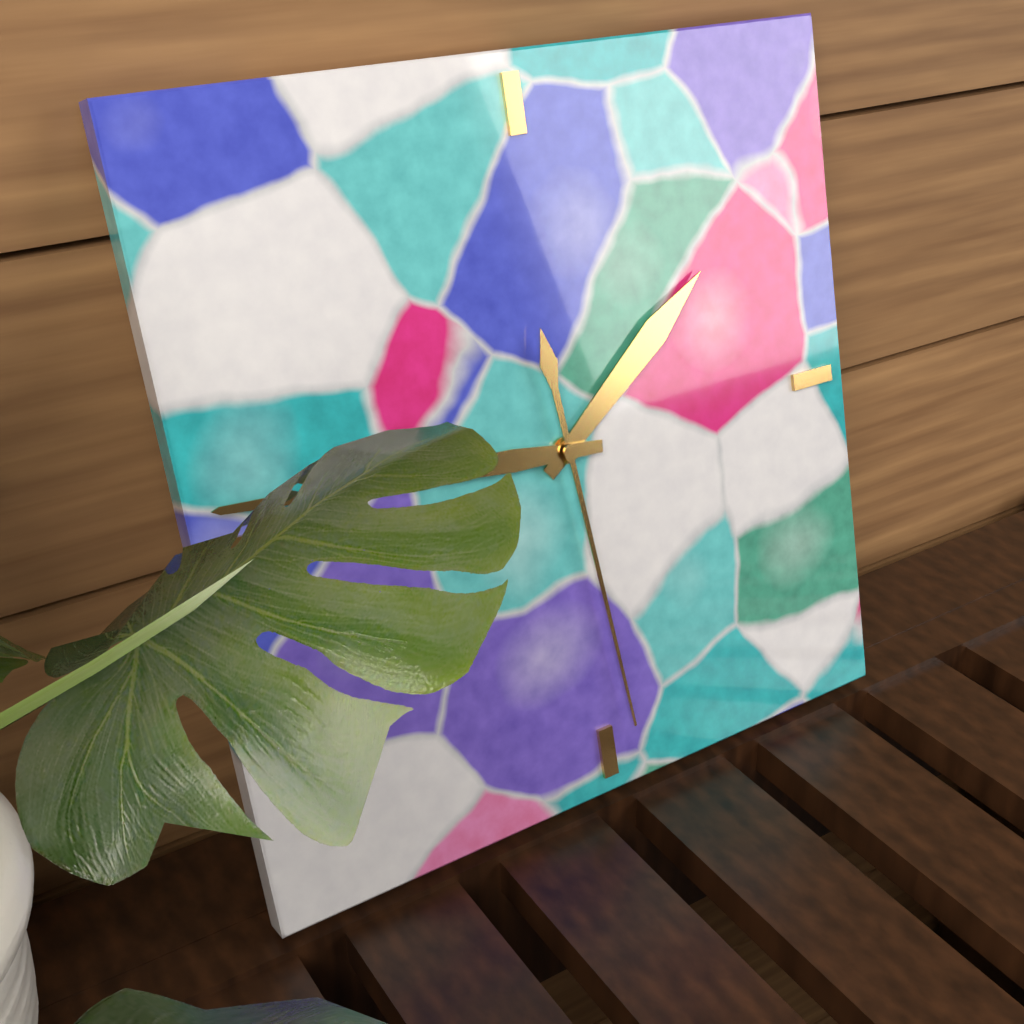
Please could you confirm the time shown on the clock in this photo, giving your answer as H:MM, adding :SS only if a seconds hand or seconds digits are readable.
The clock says 1:46:29
